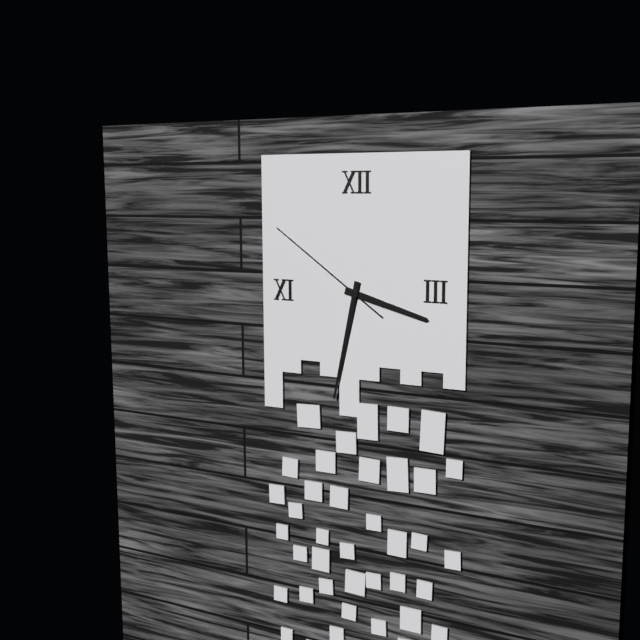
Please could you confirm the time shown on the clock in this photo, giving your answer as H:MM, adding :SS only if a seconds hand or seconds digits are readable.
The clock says 3:32:51
